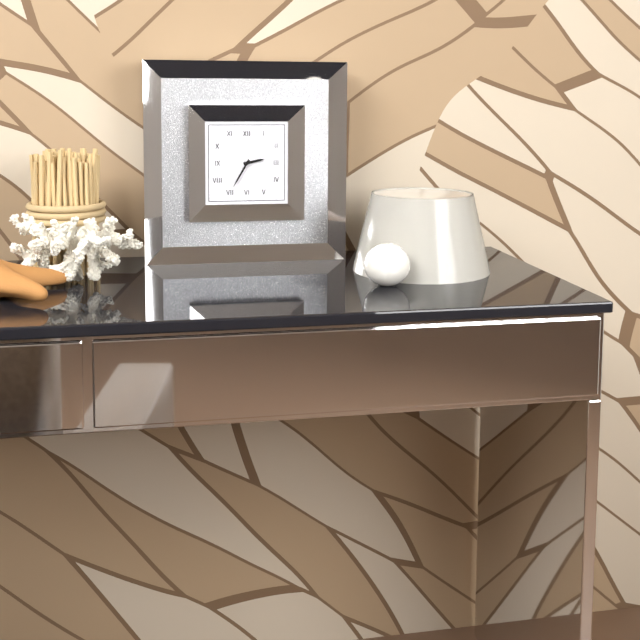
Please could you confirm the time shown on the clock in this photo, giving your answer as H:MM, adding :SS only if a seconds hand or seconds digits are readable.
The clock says 2:35
